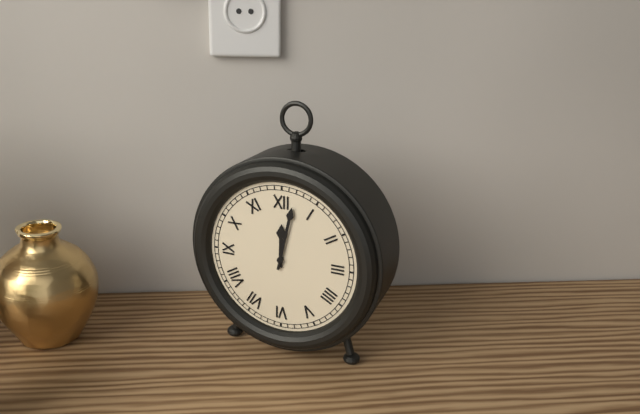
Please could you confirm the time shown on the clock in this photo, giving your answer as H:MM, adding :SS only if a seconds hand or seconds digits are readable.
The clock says 12:02
